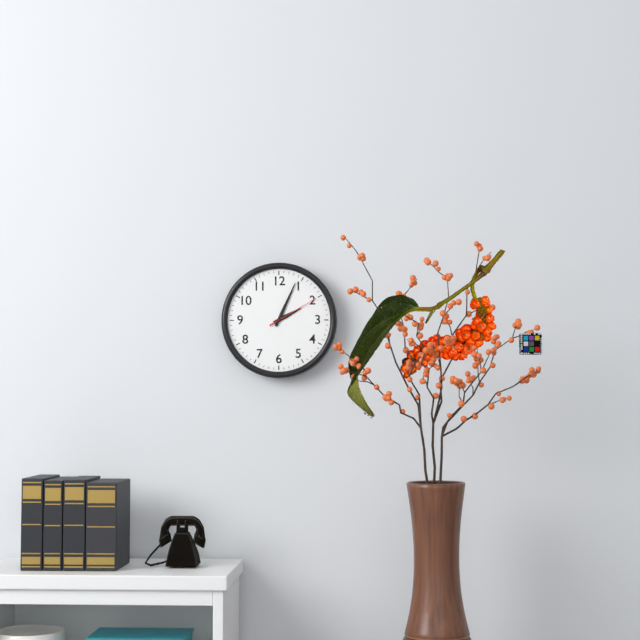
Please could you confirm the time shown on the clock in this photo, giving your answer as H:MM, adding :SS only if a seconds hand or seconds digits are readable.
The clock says 2:04:10
